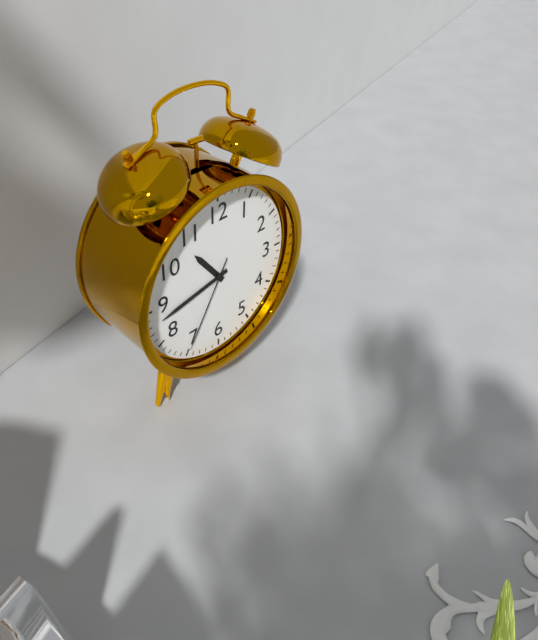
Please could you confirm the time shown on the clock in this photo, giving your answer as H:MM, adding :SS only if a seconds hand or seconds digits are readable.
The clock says 10:43:35
